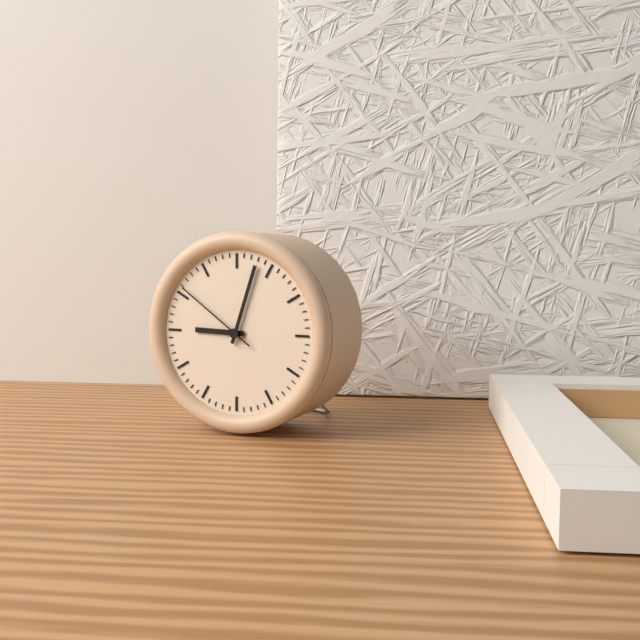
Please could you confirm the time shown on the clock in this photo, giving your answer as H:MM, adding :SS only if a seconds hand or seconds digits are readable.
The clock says 9:03:51
